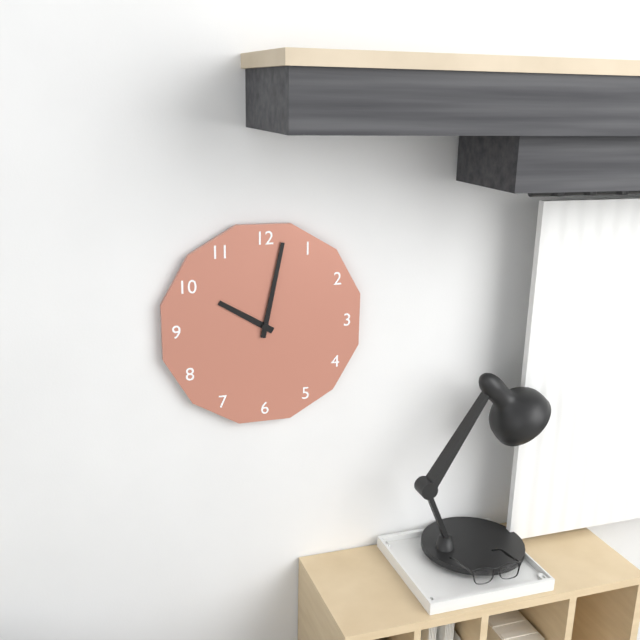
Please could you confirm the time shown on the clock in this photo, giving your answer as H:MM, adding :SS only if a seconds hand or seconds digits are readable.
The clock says 10:02
